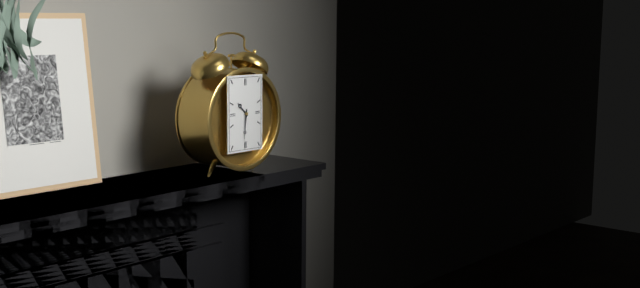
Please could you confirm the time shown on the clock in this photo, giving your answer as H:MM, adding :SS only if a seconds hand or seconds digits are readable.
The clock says 10:31
